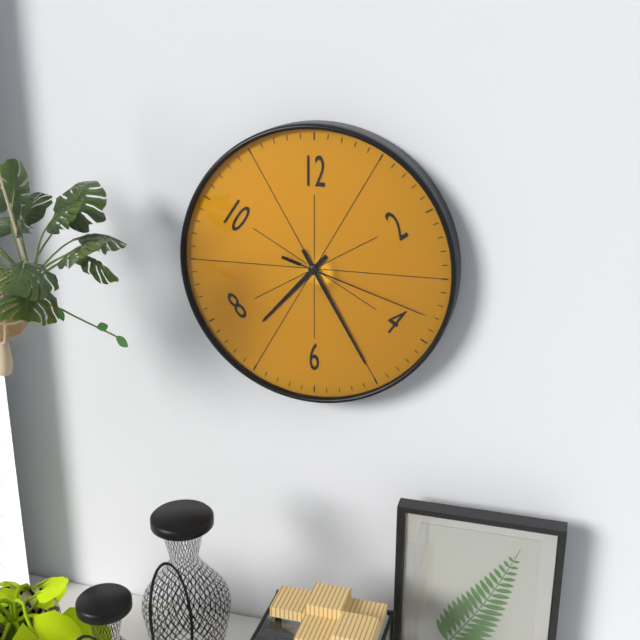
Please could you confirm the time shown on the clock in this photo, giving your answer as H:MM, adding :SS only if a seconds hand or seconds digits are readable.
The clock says 7:25:18
